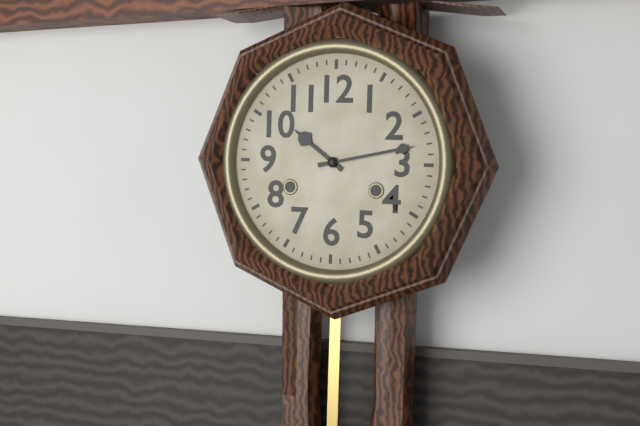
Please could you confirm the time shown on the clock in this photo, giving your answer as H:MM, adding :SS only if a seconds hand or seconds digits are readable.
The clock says 10:13
